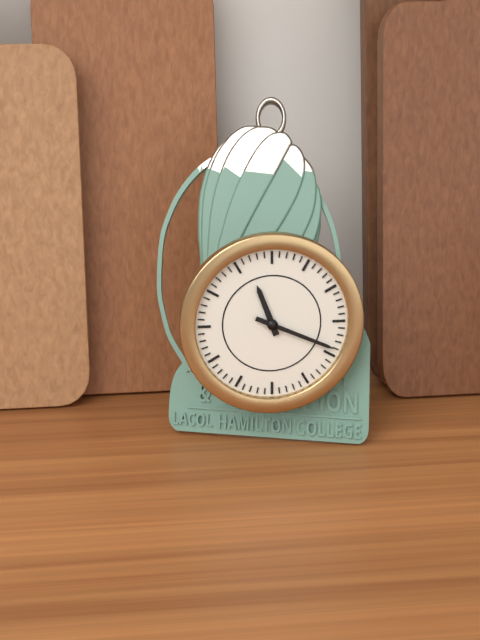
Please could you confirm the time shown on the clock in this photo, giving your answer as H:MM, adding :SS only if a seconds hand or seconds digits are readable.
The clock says 11:19
